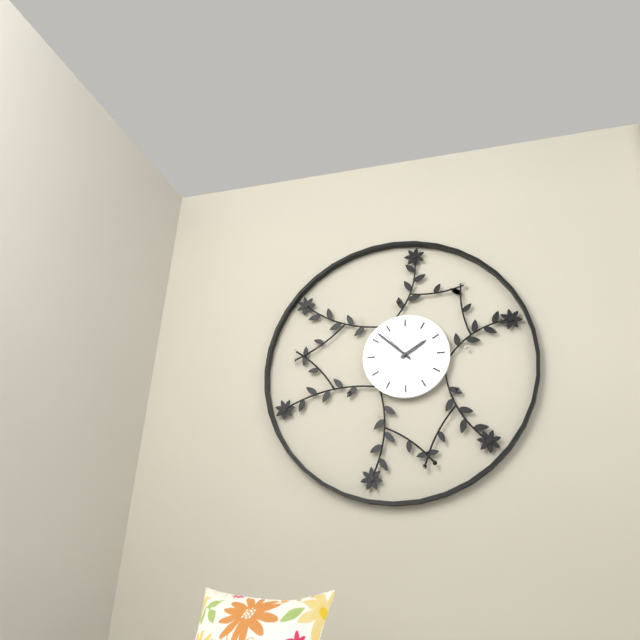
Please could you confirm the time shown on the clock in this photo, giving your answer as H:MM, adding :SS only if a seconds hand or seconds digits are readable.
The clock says 1:52
